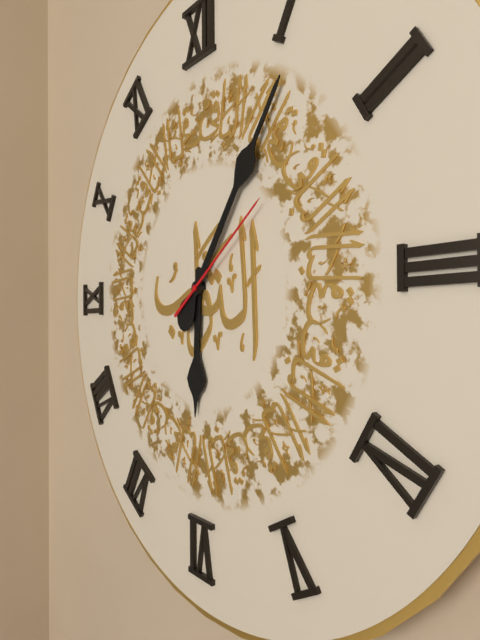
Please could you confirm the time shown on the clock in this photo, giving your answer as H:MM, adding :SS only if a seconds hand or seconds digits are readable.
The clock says 6:06:09
